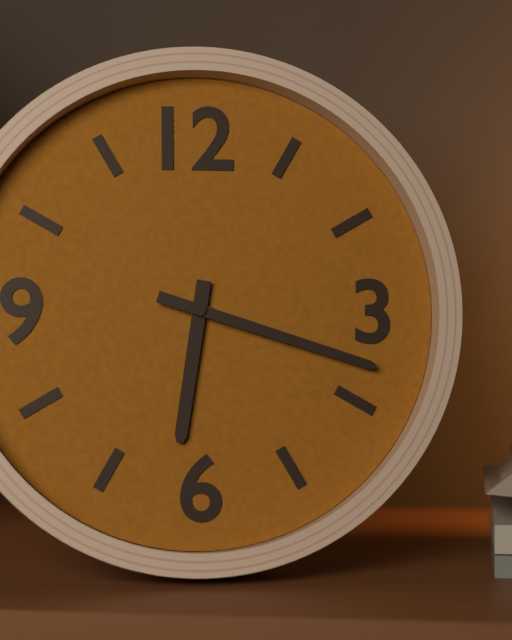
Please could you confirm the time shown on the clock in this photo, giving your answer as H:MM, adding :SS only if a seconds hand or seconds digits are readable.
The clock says 6:18
